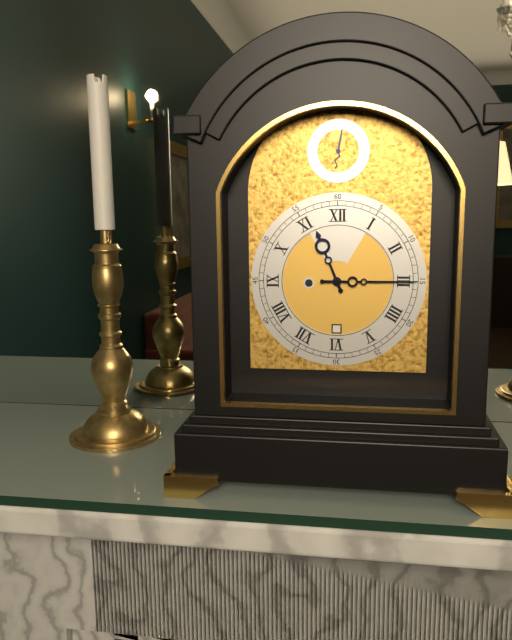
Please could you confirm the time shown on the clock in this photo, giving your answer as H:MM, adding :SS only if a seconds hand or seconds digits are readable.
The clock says 11:15
